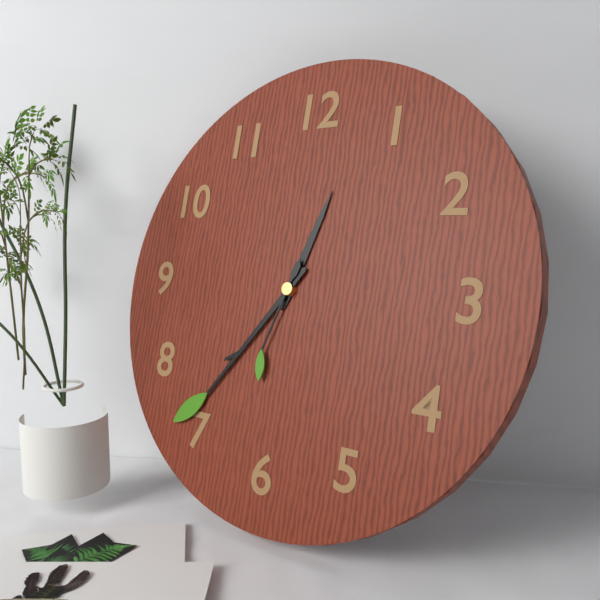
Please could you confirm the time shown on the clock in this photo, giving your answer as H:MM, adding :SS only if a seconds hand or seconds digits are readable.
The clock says 12:36:33
